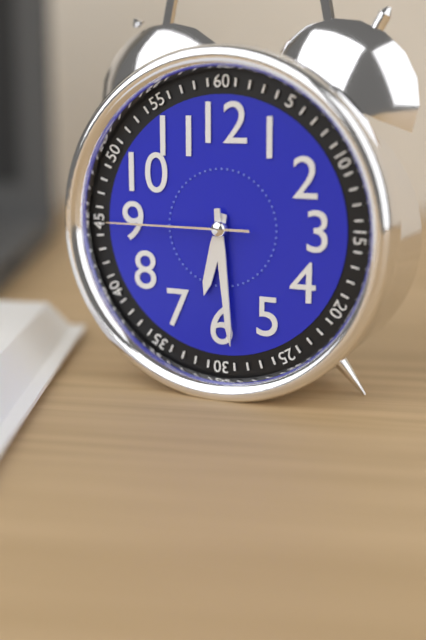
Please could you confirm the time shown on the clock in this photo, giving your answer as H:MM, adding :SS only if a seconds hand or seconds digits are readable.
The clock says 6:29:45
